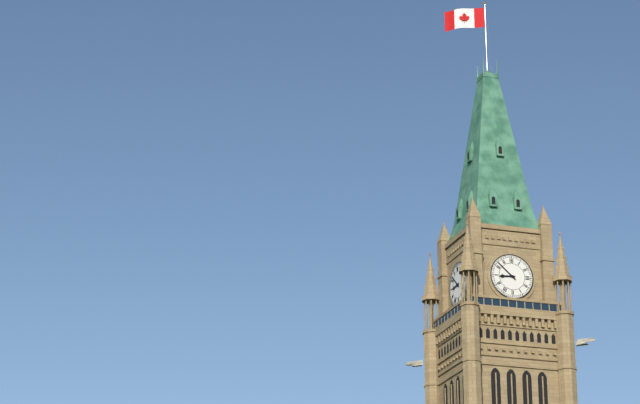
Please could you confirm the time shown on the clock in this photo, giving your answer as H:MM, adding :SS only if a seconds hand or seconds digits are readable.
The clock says 8:52
